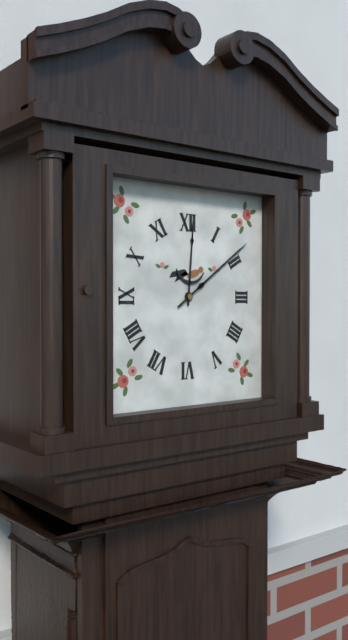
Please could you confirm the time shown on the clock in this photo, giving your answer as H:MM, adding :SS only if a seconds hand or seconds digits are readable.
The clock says 12:09
